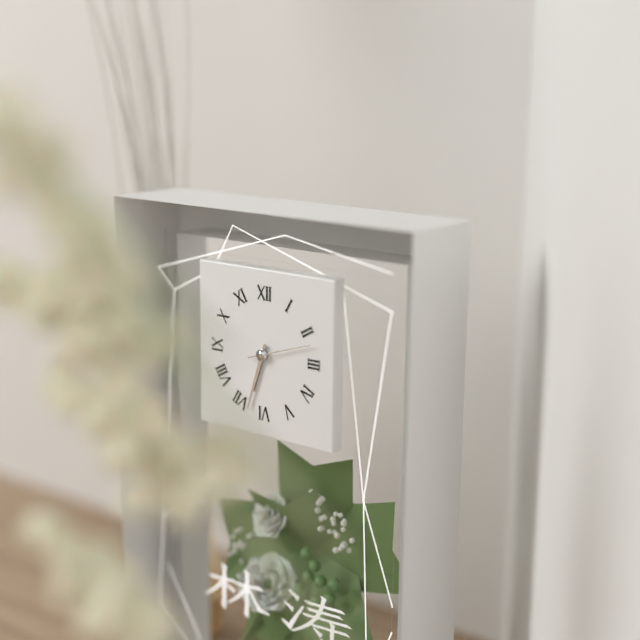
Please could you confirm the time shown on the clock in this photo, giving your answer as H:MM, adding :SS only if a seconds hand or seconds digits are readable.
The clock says 6:33:12
